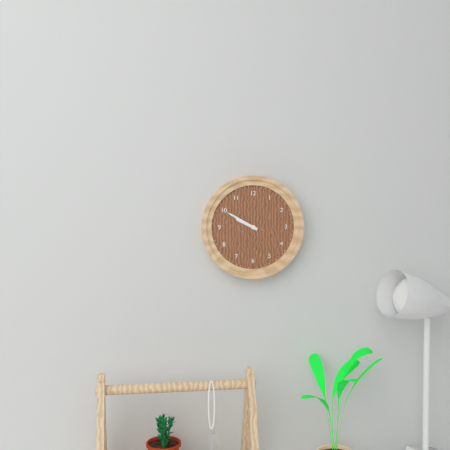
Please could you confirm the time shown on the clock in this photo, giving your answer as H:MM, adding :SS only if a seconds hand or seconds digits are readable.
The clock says 9:50
